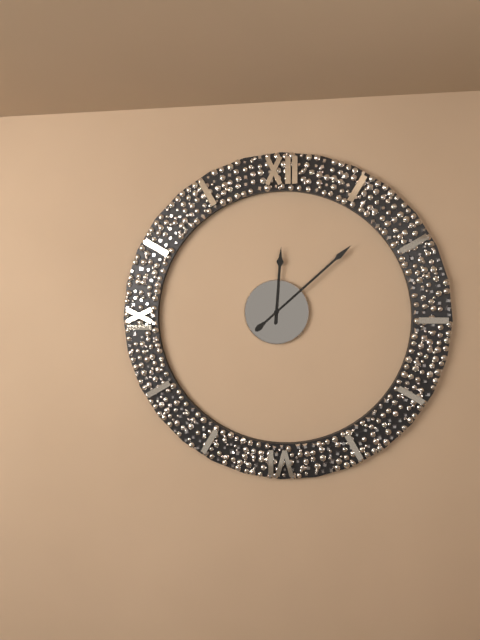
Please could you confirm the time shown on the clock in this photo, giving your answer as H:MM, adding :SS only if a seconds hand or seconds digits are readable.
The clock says 12:08
